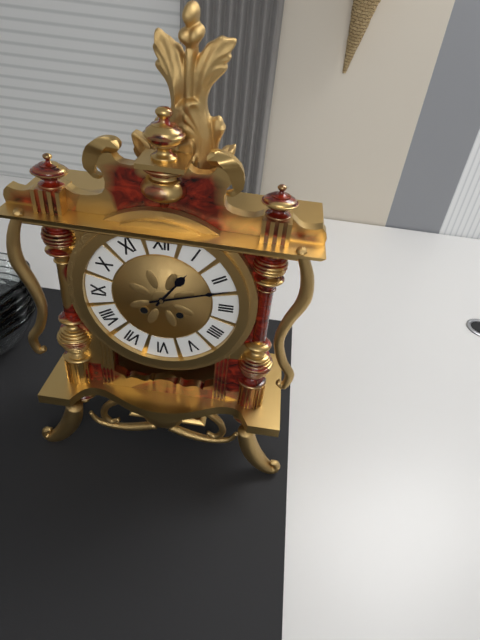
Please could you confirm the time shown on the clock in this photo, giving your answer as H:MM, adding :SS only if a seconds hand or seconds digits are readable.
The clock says 1:12
